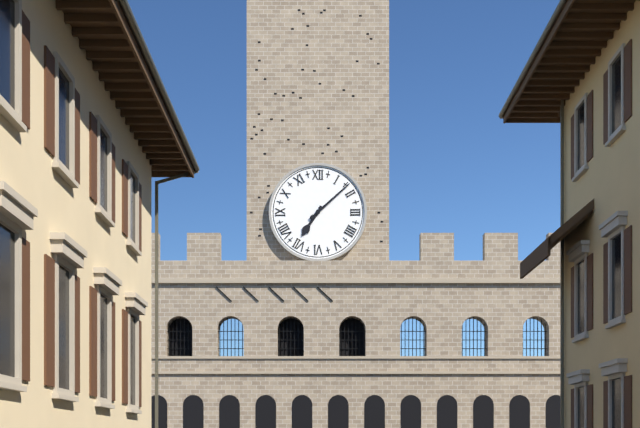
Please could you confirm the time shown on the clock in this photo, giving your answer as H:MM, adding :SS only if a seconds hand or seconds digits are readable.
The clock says 7:08
